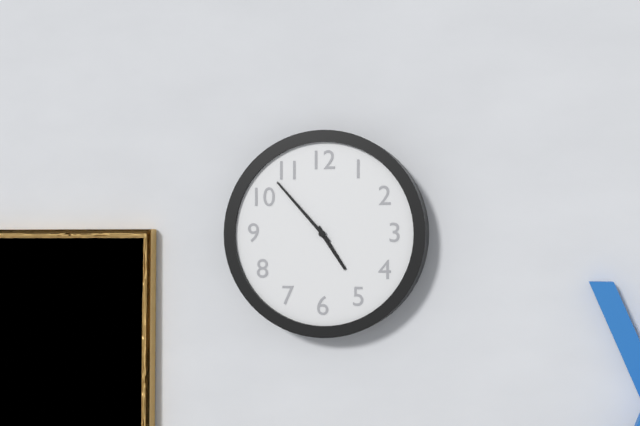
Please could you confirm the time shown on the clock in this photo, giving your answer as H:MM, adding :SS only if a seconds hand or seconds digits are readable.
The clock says 4:53
